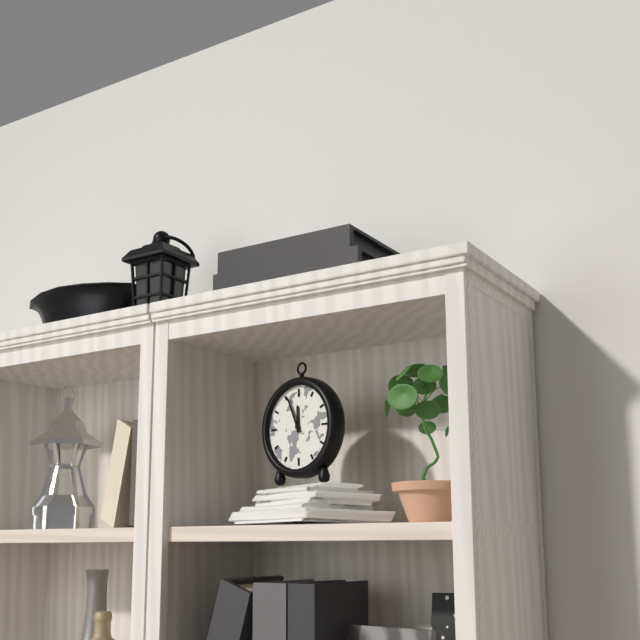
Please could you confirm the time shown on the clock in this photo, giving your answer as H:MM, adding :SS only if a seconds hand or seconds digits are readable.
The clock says 11:56
